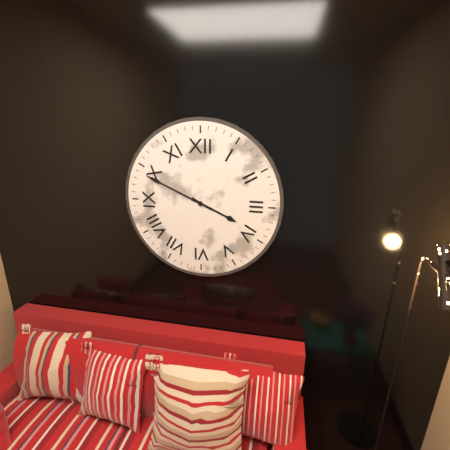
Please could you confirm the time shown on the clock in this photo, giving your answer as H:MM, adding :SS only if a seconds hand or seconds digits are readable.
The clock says 3:49
